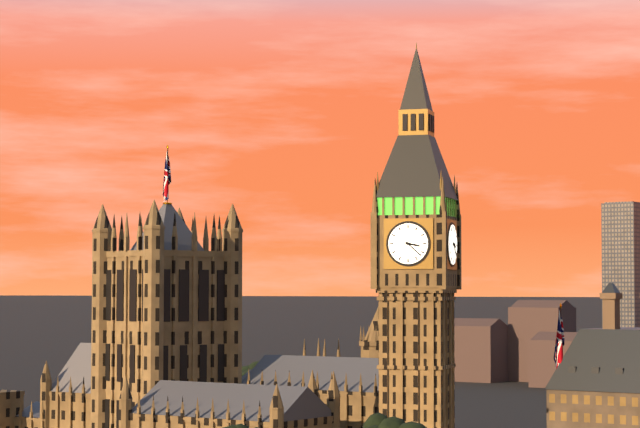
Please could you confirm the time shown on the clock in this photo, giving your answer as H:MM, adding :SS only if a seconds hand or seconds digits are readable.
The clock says 3:22
